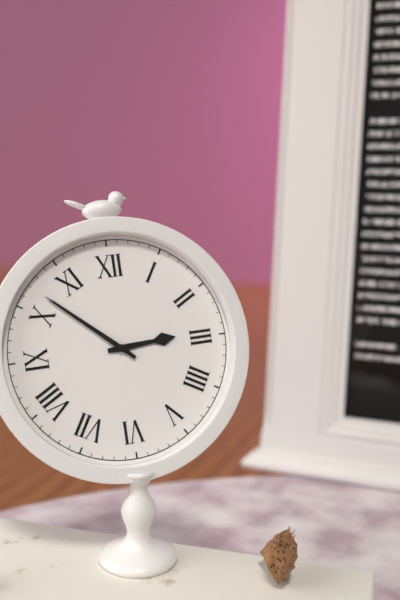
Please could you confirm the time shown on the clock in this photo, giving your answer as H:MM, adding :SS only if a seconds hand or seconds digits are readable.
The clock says 2:52
